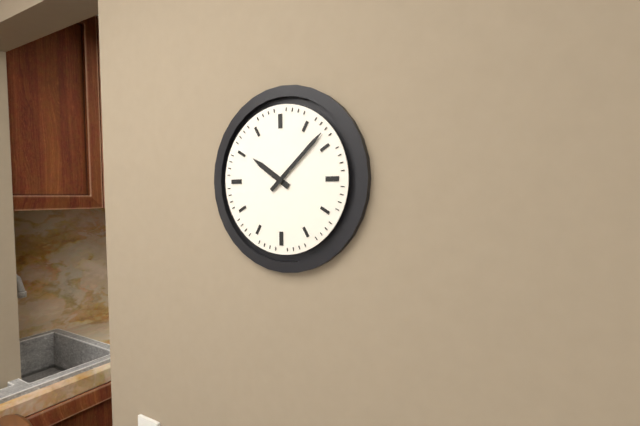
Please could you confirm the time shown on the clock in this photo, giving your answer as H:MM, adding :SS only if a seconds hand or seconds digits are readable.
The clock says 10:08
